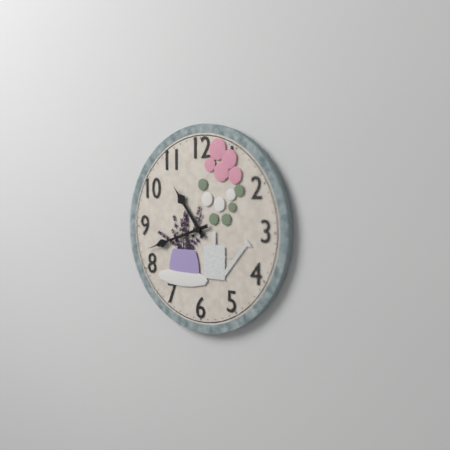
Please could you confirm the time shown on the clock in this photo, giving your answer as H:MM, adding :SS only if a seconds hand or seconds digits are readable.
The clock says 10:42
